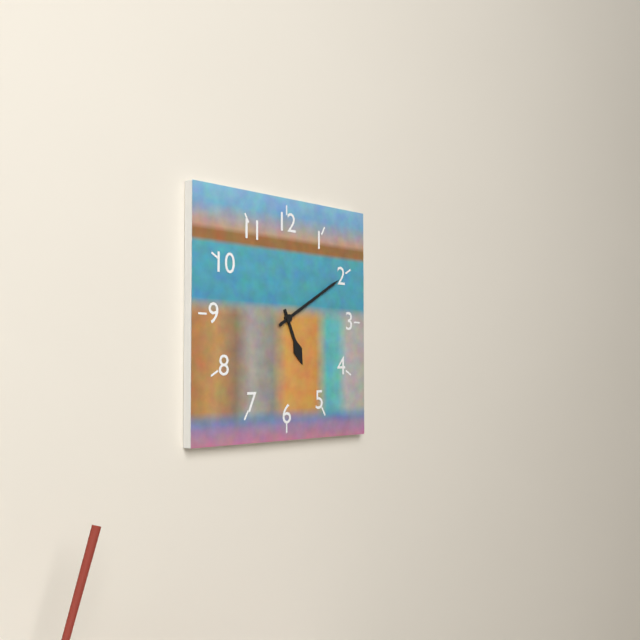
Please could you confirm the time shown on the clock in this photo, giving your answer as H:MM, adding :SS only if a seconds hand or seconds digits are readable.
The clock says 5:10
